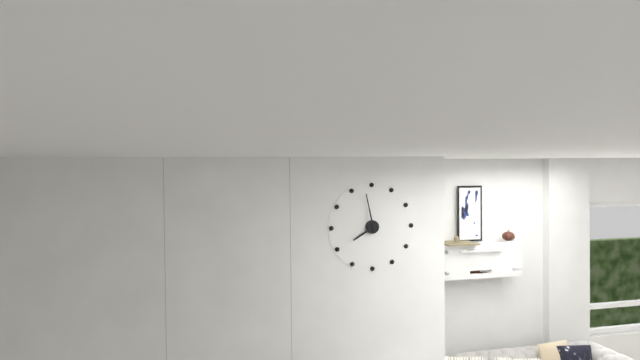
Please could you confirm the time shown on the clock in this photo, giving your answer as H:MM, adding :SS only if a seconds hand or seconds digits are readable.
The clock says 7:58
